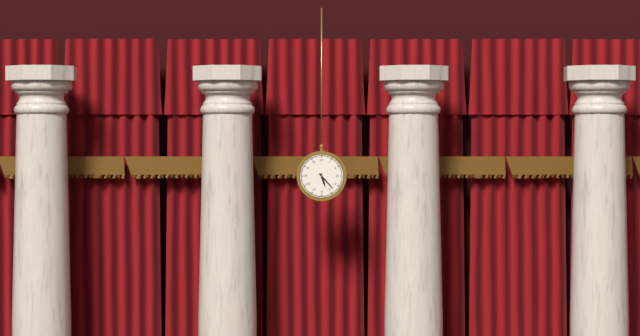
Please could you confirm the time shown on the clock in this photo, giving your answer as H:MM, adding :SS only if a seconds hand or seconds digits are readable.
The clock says 5:23
